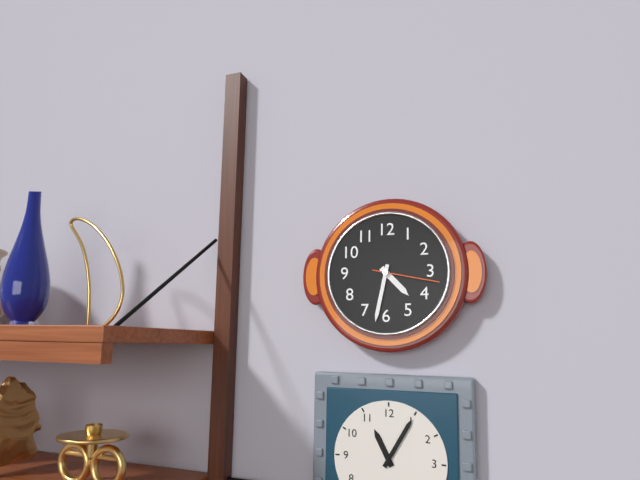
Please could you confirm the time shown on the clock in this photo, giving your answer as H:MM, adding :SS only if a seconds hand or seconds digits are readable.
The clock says 4:32:17
